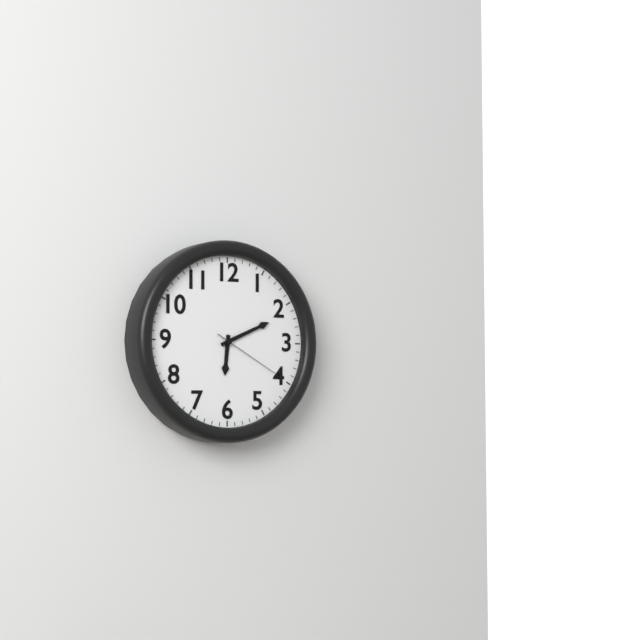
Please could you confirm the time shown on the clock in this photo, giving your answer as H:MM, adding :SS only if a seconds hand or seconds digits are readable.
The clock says 6:11:20
